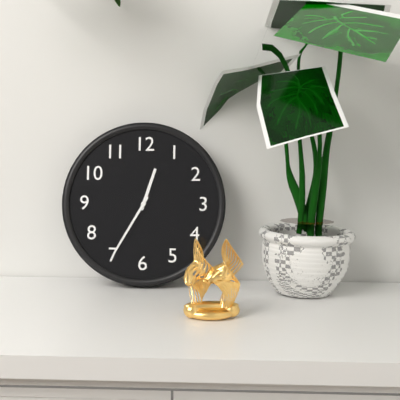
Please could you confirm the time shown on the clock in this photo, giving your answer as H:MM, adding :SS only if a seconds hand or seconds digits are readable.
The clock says 12:35
